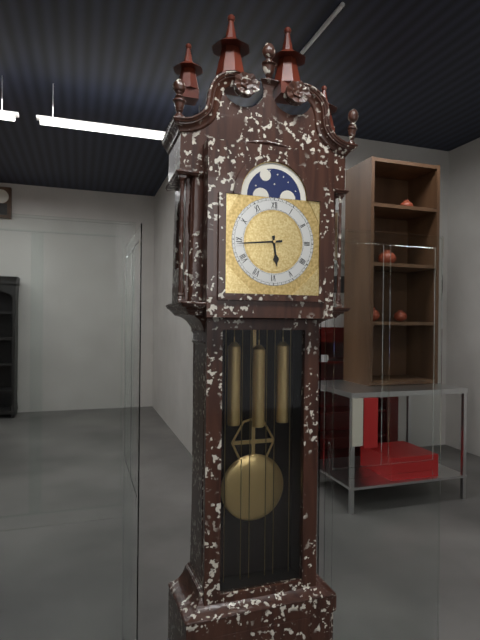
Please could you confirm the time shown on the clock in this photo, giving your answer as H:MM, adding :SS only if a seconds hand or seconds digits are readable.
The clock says 5:44
